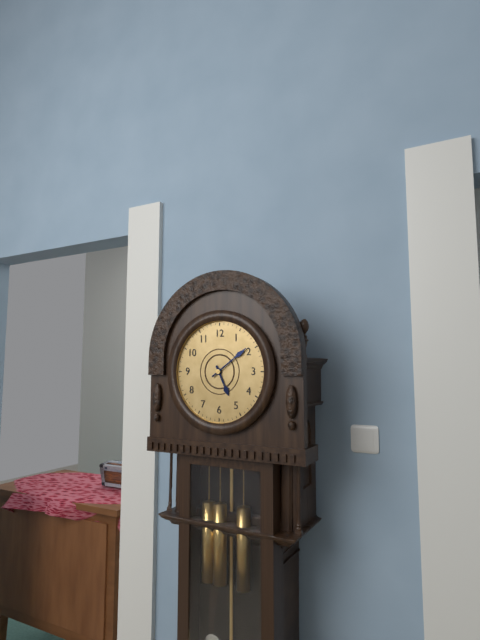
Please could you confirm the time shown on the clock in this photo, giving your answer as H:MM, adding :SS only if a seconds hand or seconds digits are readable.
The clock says 5:09
